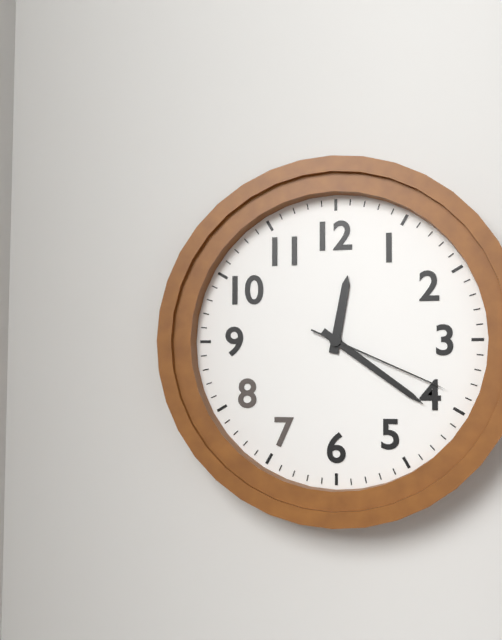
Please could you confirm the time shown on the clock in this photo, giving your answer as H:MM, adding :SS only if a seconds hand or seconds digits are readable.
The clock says 12:21:19
